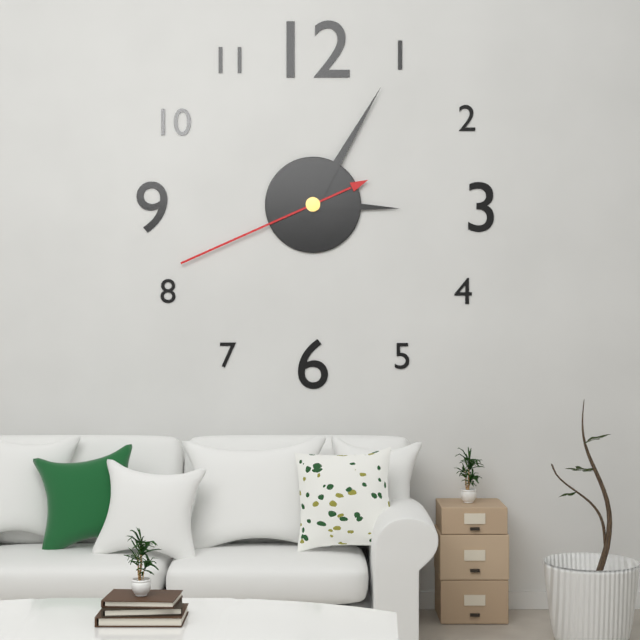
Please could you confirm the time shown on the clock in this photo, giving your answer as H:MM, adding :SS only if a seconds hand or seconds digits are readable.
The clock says 3:05:41
